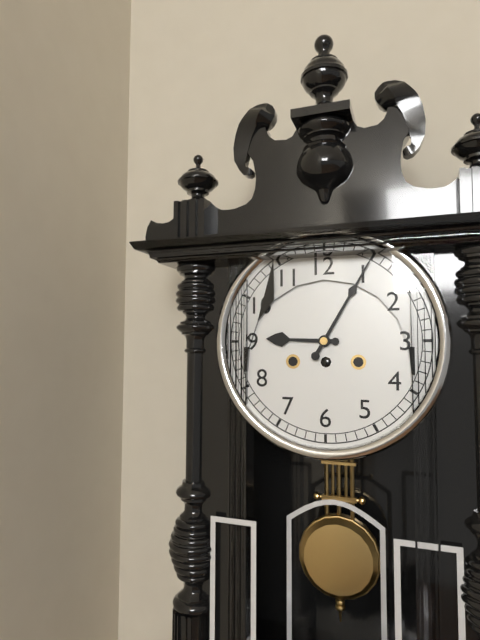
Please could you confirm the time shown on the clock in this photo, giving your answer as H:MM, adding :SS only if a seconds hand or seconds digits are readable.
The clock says 9:05
